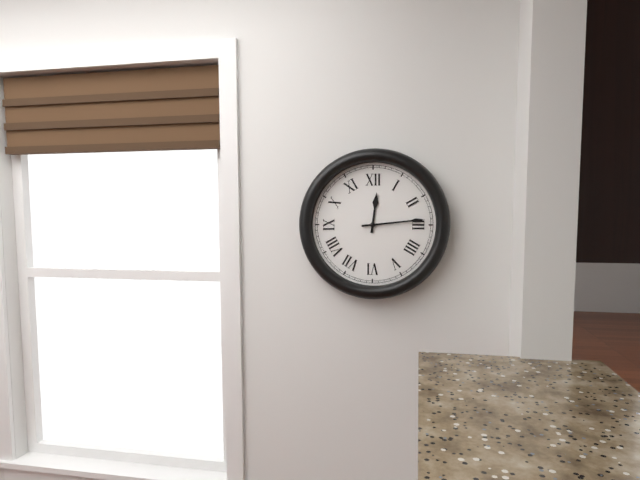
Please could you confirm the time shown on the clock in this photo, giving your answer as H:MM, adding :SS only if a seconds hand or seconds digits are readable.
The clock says 12:14
